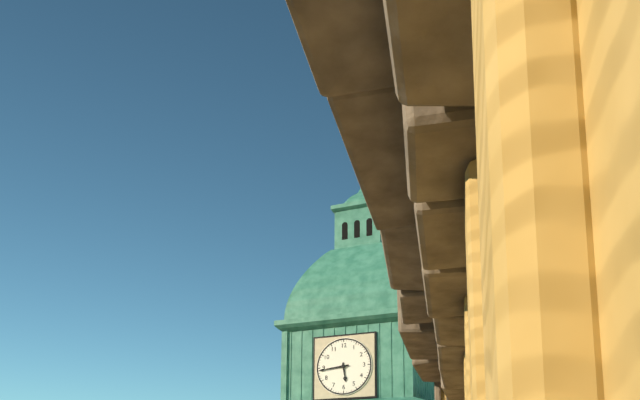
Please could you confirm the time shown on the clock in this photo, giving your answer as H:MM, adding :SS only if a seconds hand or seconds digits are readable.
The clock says 5:44
